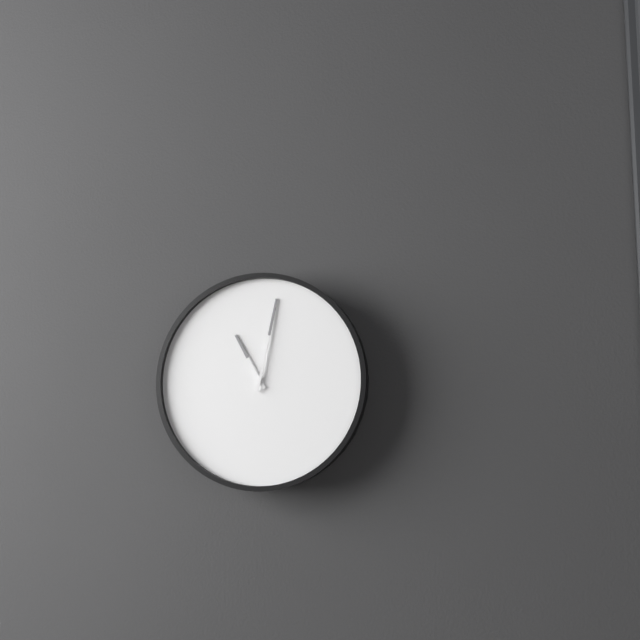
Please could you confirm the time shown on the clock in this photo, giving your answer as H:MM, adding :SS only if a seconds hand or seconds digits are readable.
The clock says 11:02
